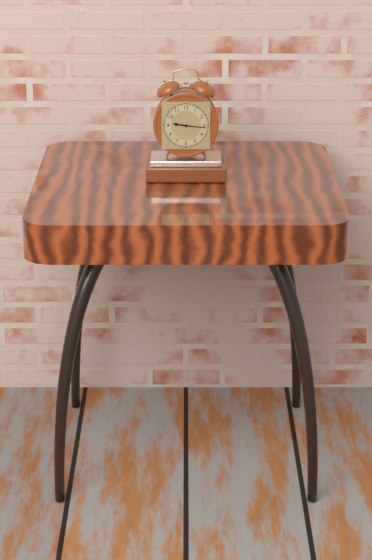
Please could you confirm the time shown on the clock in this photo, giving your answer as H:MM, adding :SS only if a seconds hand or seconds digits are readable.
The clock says 9:16
